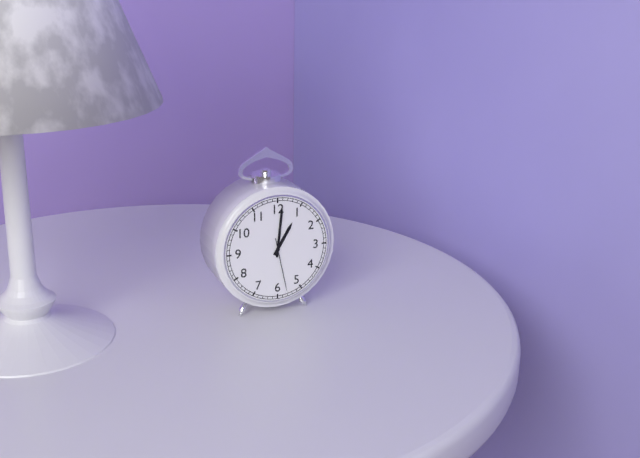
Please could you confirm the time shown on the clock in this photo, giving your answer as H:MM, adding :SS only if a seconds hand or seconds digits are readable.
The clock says 1:01:28
